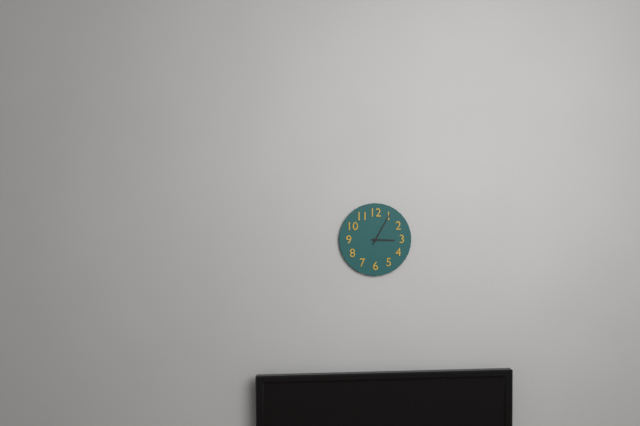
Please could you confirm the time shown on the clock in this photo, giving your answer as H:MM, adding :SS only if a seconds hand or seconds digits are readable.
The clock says 3:05
